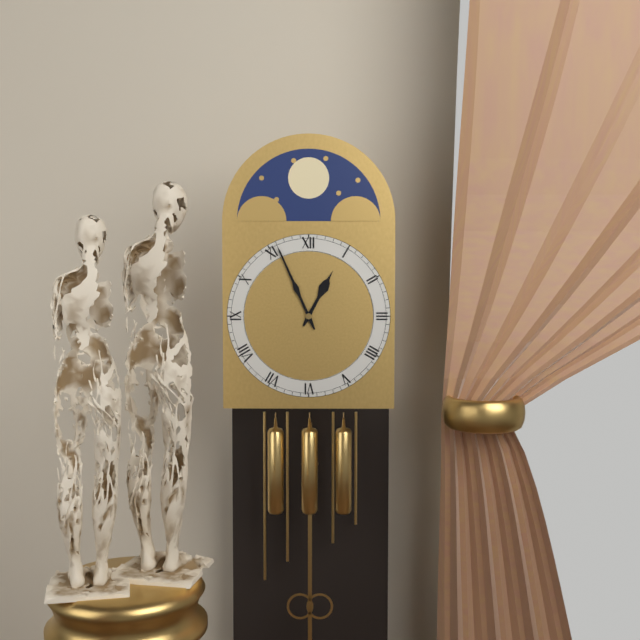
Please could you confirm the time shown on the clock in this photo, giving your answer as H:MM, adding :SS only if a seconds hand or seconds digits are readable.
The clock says 12:56
